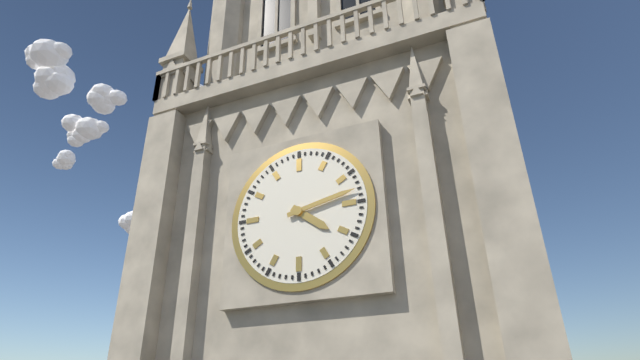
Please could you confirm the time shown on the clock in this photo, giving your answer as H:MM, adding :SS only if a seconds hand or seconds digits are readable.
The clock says 4:13
